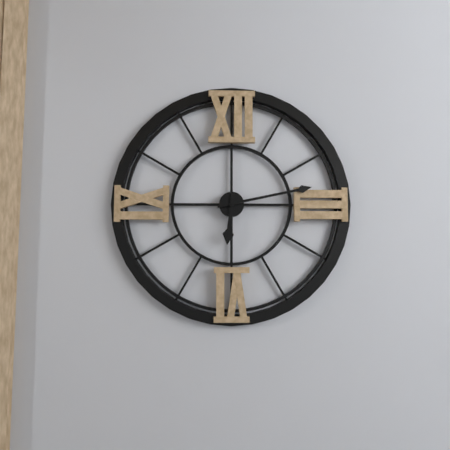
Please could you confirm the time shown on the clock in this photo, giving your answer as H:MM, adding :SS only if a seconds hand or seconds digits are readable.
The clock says 6:13
